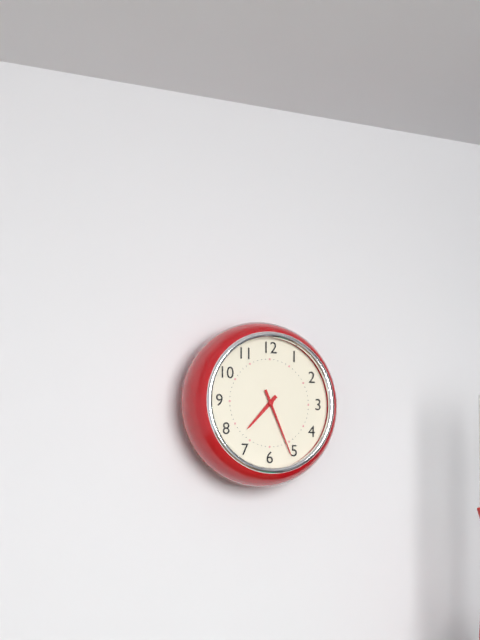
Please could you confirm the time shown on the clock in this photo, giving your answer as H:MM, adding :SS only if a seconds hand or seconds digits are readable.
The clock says 7:26
